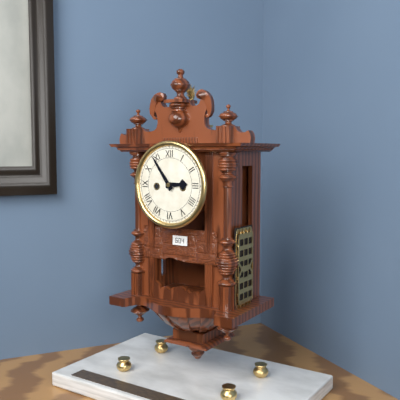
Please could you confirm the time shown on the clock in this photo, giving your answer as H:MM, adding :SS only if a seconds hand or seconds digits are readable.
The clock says 2:54
